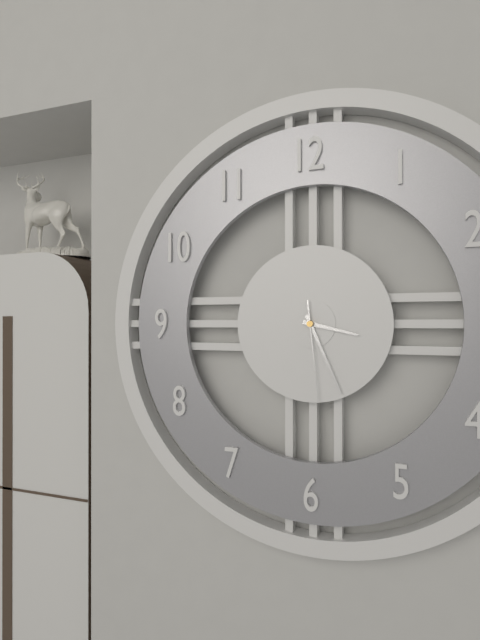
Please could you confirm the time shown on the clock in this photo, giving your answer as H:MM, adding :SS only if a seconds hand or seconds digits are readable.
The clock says 3:26:29
